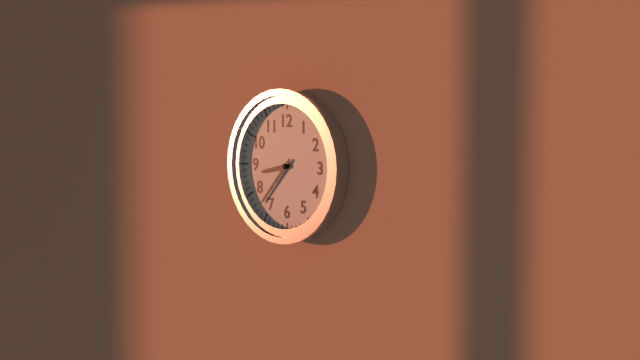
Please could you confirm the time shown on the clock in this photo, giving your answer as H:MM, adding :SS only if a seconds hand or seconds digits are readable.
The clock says 8:37
